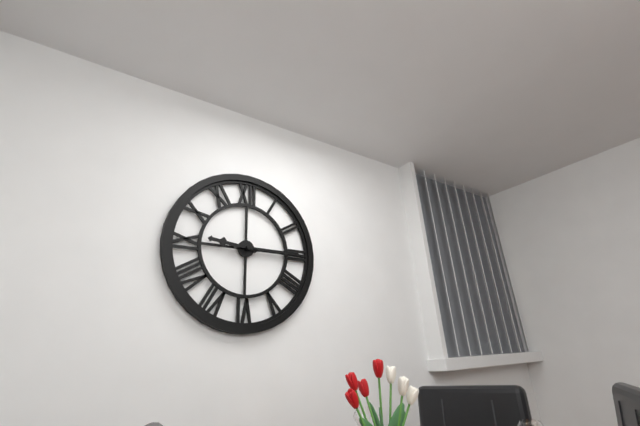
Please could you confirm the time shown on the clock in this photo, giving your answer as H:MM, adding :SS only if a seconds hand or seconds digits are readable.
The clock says 9:15
